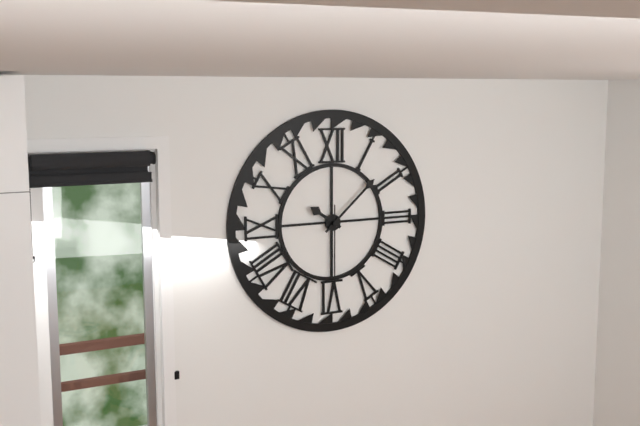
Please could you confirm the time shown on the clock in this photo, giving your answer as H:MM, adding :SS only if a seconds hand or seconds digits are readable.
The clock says 10:08:30
